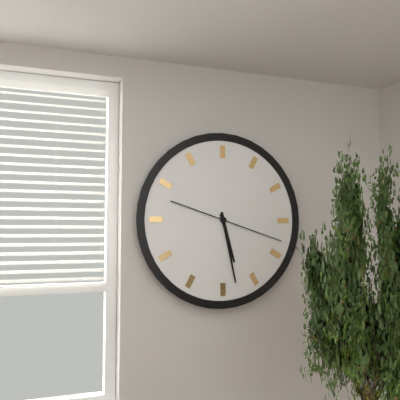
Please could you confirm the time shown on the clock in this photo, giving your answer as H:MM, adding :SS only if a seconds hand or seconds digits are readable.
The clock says 5:28:18
